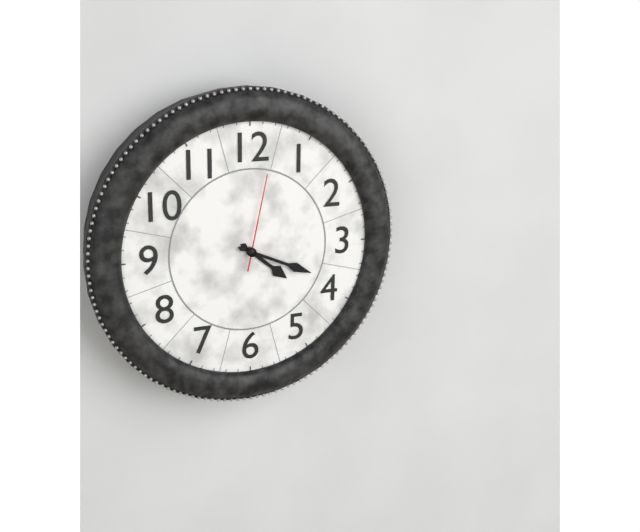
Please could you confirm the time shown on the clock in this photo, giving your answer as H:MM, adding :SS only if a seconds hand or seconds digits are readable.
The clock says 4:19:02
